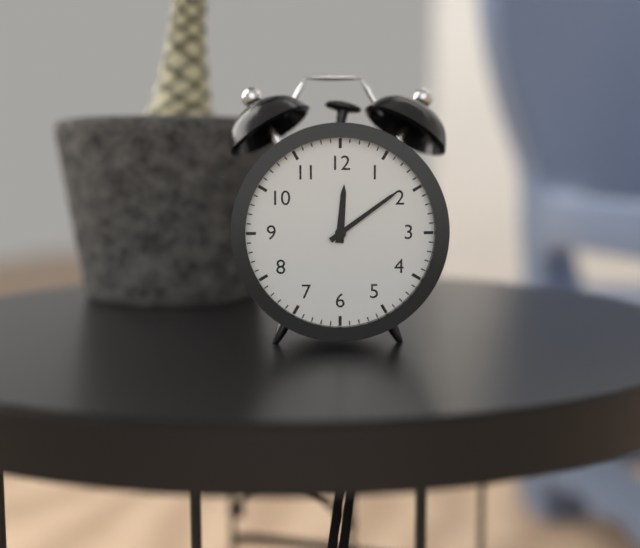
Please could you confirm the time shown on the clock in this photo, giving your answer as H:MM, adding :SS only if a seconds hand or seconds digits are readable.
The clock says 12:09
